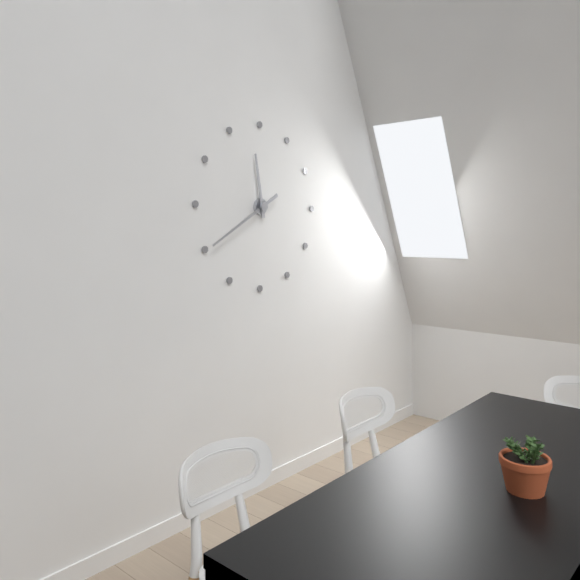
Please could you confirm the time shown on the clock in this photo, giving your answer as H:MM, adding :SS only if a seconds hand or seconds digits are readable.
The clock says 11:40
